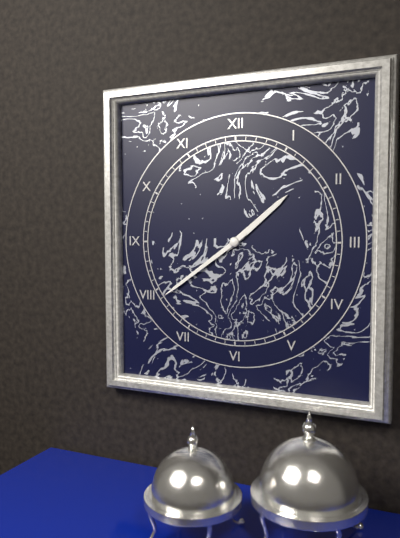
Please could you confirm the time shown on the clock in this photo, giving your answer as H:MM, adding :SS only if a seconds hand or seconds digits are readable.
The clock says 1:39
